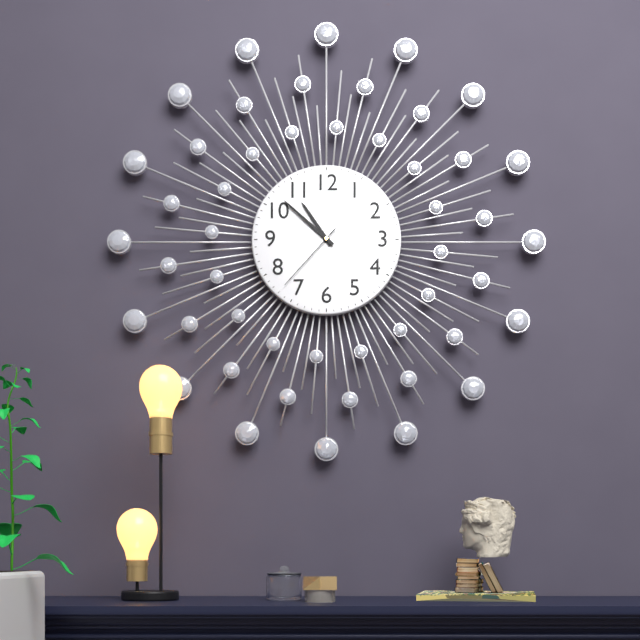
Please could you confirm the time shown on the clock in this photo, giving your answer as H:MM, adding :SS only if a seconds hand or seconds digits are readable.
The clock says 10:52:37
